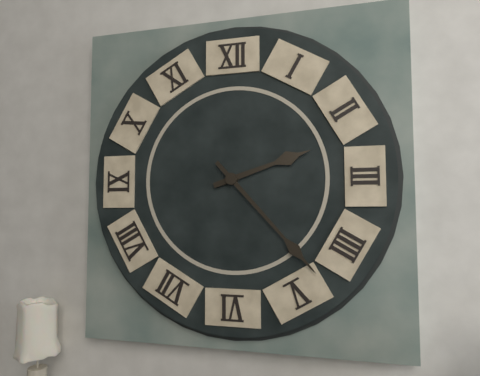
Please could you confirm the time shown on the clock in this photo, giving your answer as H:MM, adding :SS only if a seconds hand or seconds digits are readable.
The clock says 2:23
